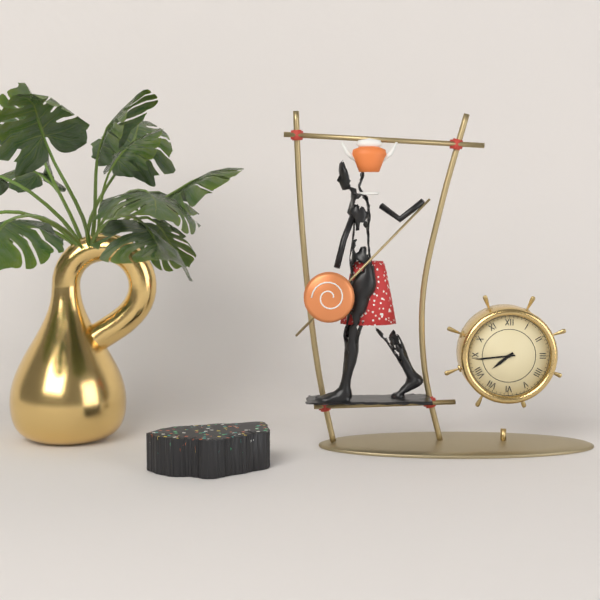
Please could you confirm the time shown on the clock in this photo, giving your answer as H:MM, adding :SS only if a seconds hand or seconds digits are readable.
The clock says 7:44
